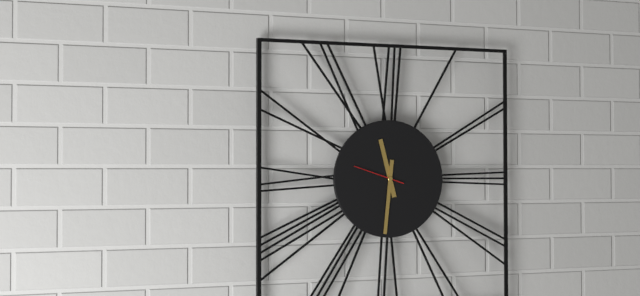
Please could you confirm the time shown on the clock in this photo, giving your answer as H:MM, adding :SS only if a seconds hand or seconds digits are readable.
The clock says 11:31
